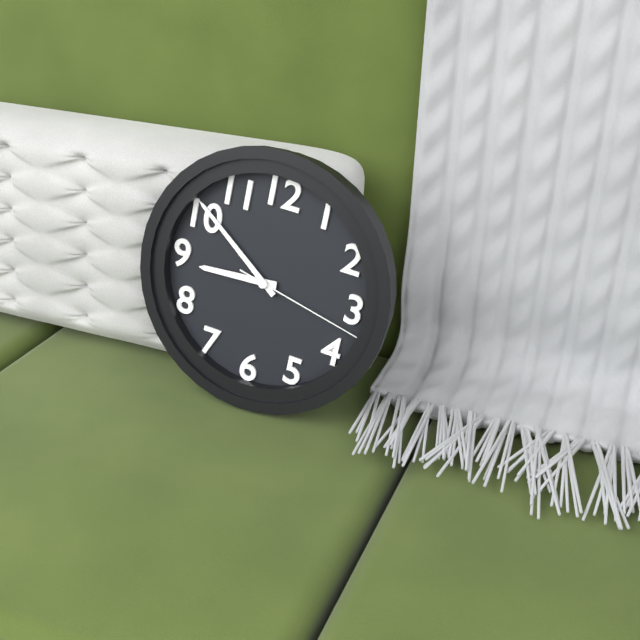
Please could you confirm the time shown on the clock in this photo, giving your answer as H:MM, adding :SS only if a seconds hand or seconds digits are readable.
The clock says 8:51:17
